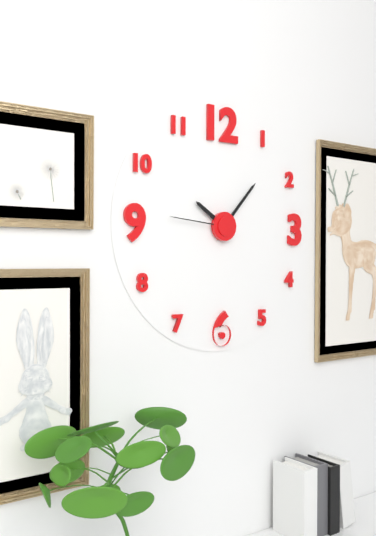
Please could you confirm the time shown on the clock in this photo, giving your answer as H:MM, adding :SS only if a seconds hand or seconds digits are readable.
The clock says 10:07:46
